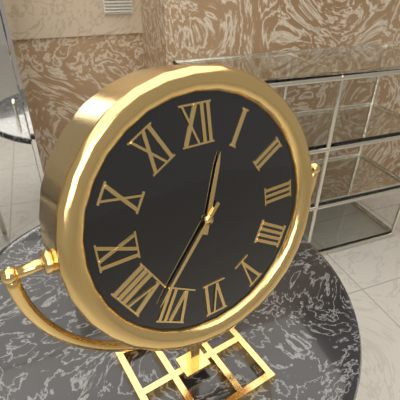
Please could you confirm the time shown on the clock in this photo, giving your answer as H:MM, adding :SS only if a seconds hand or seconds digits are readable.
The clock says 12:37
